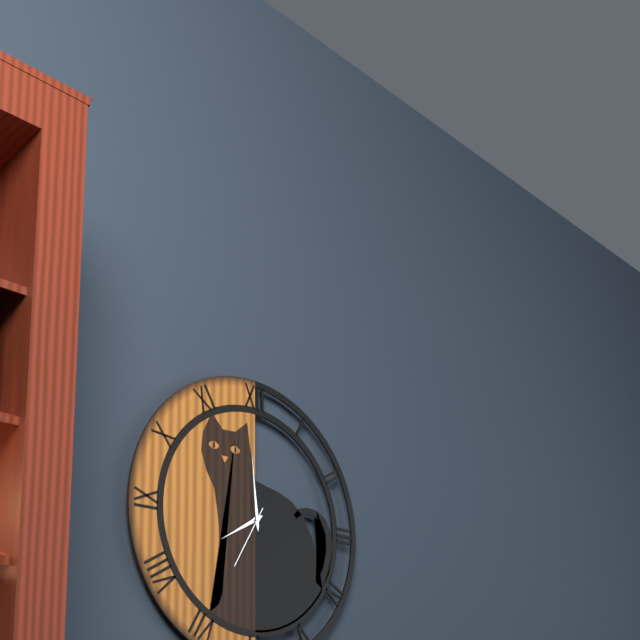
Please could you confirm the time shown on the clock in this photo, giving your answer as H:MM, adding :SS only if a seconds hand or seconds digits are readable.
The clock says 7:59:35
